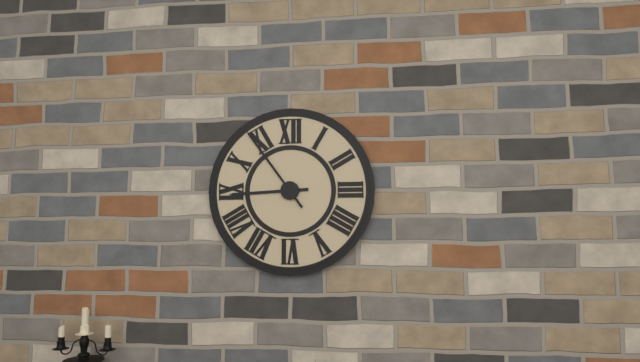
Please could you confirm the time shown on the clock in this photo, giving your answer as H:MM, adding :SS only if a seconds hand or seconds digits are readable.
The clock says 8:54
